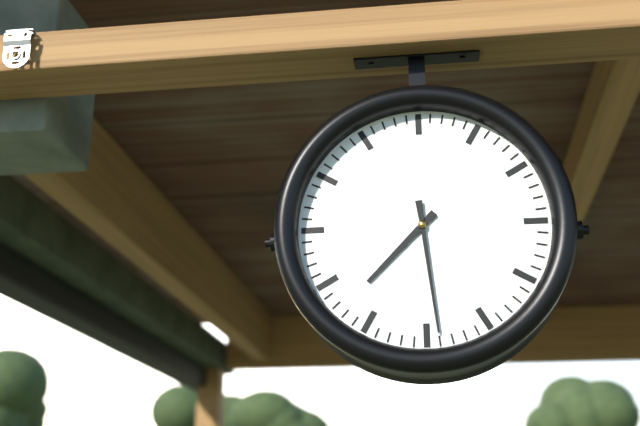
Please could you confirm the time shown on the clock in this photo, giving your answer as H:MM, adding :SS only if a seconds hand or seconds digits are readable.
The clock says 7:29
